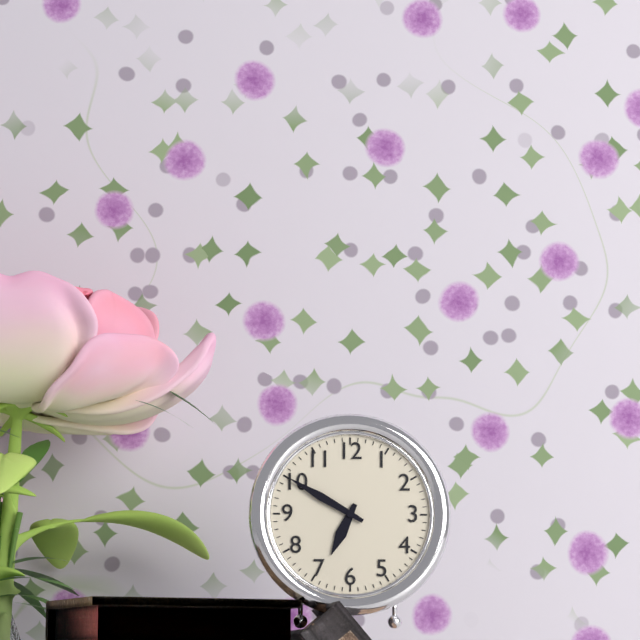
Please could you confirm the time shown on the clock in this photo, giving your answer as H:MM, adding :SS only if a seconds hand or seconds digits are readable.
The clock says 6:50
